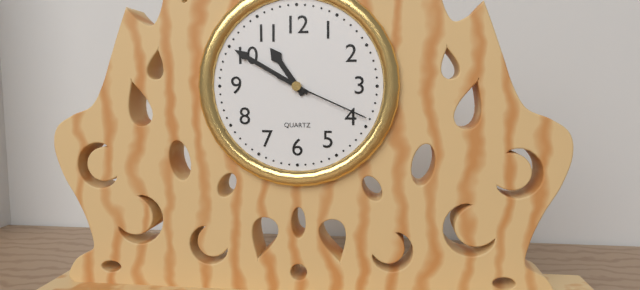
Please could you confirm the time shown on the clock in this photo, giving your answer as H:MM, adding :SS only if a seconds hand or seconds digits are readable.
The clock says 10:50:19
